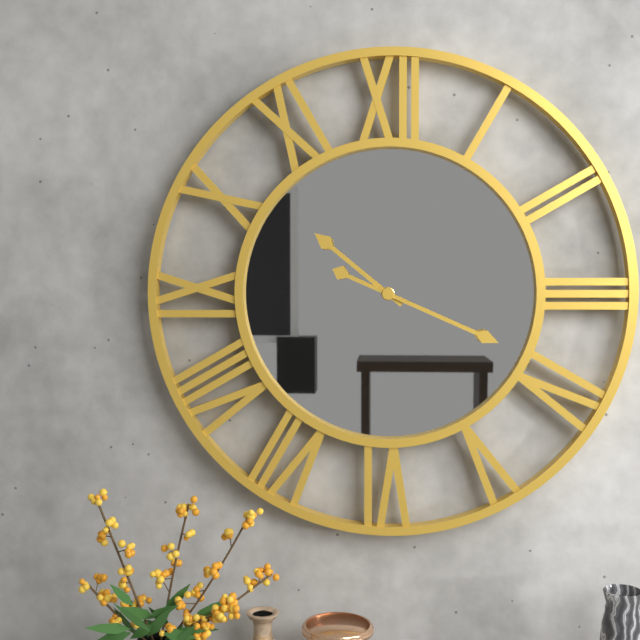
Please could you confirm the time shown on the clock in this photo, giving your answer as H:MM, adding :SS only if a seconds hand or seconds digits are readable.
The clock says 10:19
